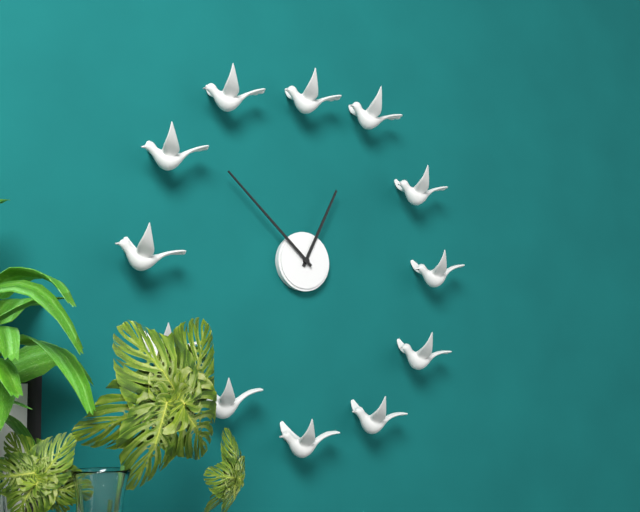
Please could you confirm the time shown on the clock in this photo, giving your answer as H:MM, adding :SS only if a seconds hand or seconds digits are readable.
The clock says 12:52
